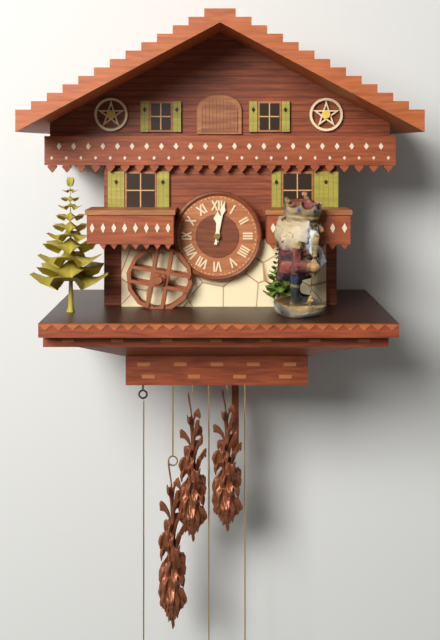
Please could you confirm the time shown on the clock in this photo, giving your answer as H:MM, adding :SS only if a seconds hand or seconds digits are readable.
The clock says 12:02
